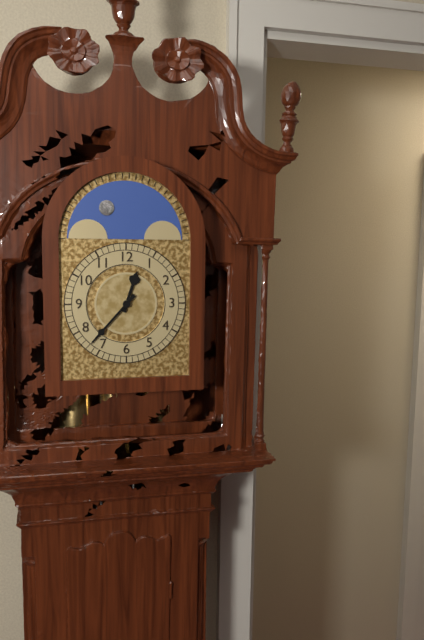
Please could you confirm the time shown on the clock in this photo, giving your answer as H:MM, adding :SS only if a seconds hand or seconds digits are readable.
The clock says 12:37
